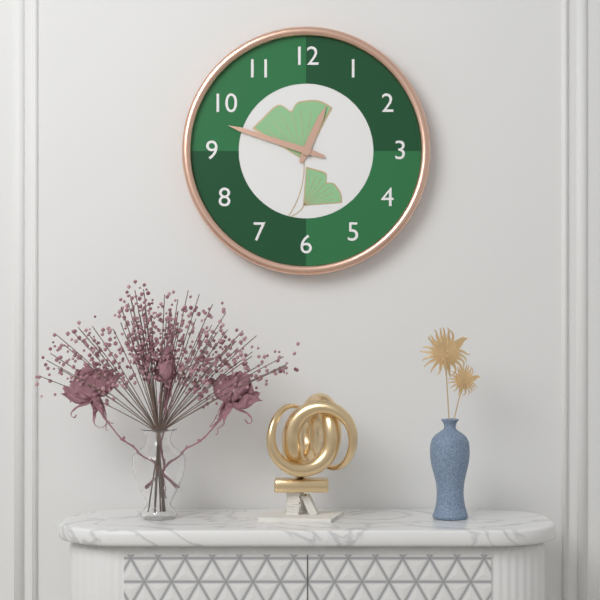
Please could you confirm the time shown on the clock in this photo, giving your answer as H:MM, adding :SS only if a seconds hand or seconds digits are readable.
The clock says 12:48
